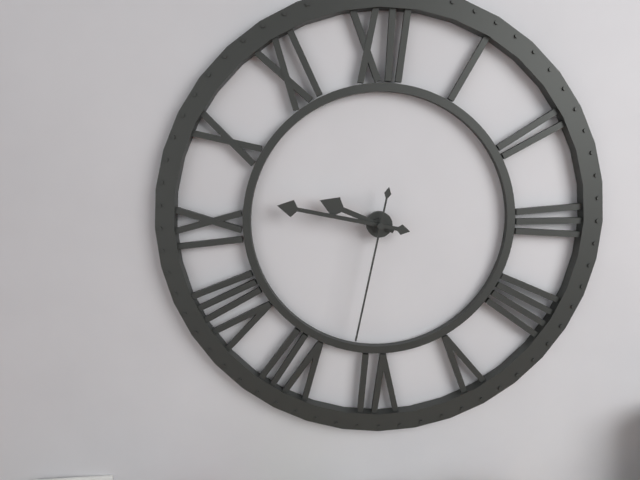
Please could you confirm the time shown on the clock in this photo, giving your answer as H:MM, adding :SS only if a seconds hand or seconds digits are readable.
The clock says 9:47:32
